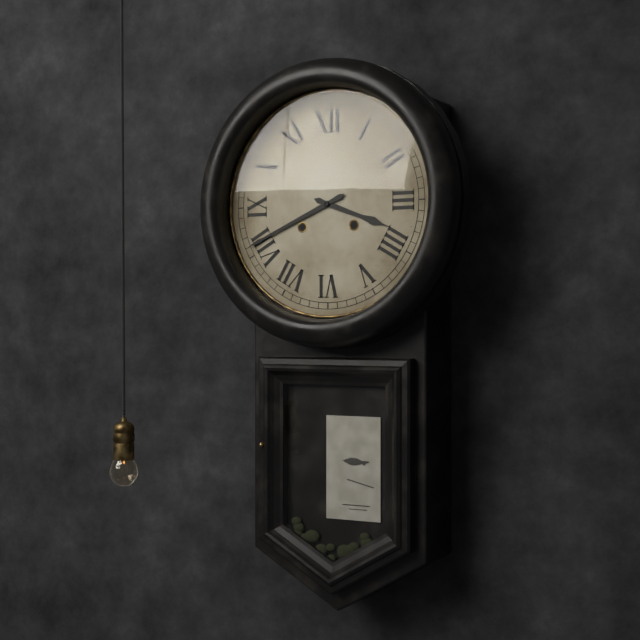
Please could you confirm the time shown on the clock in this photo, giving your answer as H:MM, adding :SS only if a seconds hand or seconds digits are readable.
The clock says 3:41
